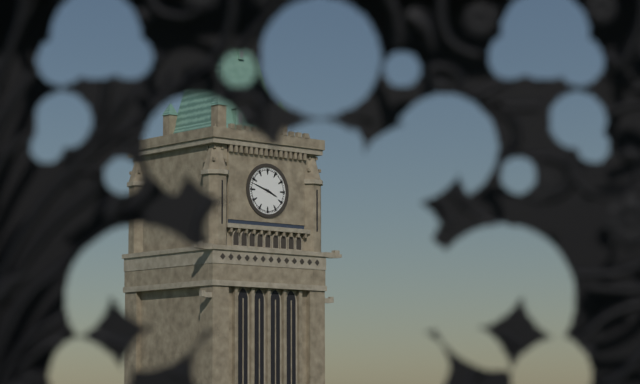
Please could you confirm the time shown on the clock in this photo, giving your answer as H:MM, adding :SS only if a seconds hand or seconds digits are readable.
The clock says 3:48
